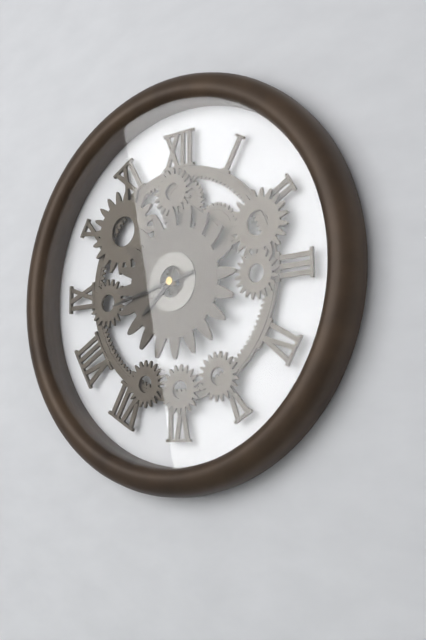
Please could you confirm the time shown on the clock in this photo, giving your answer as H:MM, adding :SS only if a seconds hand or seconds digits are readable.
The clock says 7:43
